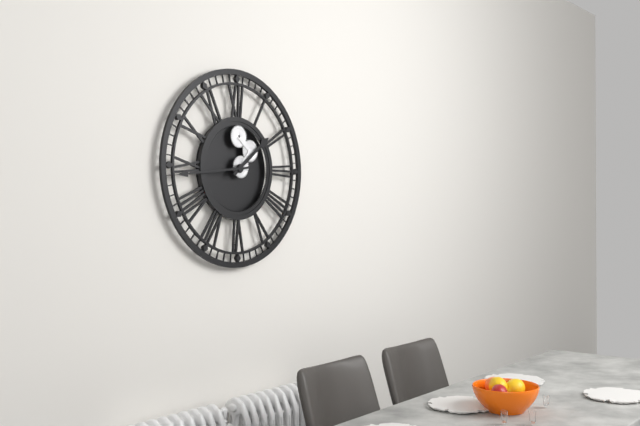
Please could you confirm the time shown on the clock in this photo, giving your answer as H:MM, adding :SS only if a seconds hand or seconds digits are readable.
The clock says 1:44
